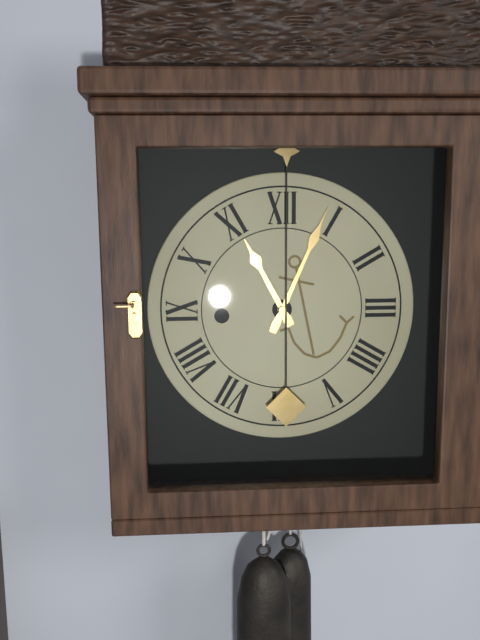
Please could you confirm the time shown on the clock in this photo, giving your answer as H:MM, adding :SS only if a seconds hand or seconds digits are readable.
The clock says 11:04
